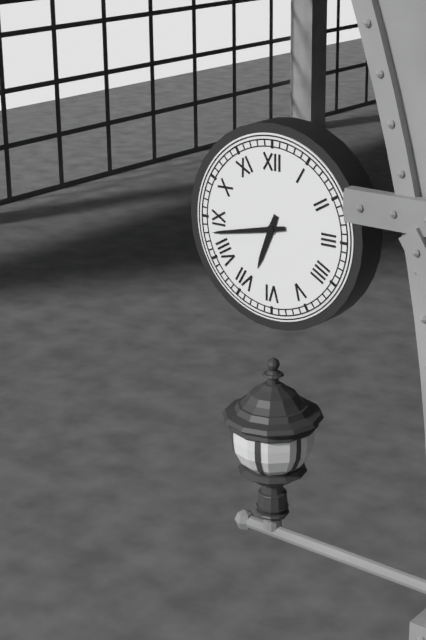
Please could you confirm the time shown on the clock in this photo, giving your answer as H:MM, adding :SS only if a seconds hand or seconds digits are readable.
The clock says 6:43
